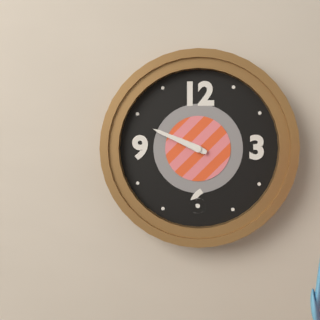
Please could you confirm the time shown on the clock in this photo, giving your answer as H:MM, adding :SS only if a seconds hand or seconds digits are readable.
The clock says 9:49
